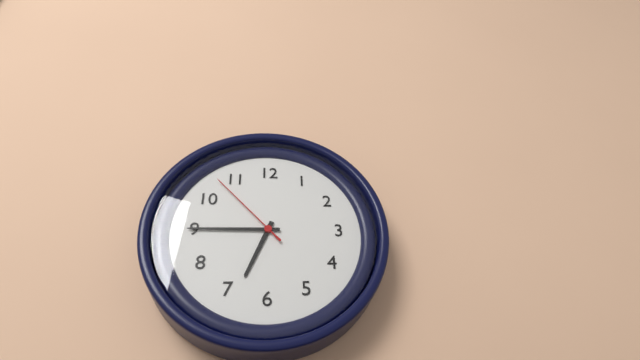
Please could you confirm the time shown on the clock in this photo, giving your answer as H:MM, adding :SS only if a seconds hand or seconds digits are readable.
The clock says 6:45:53
